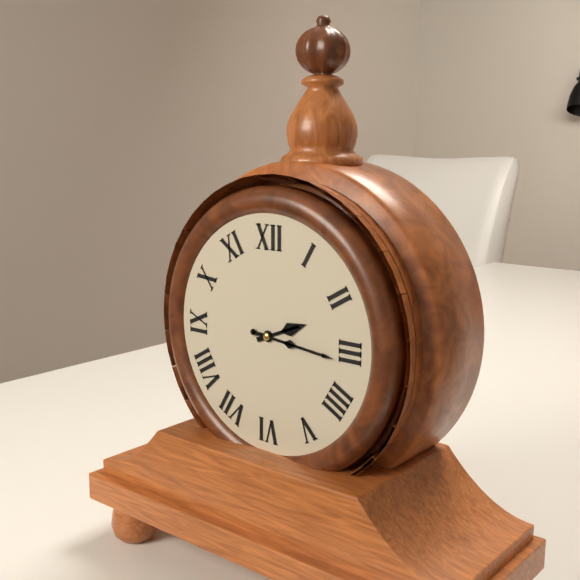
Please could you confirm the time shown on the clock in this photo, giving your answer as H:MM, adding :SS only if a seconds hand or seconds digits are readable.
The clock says 2:16
